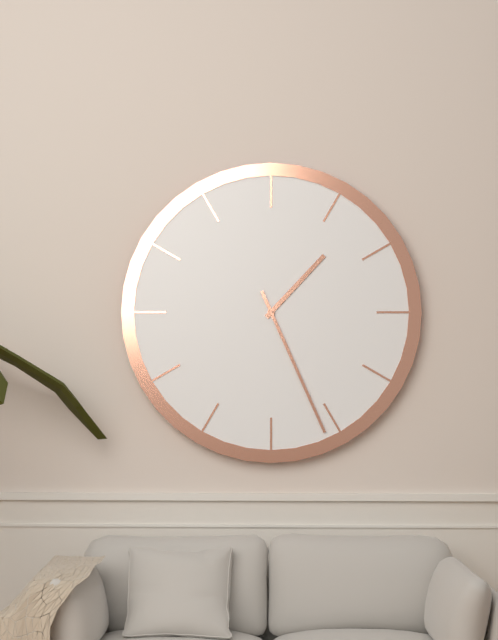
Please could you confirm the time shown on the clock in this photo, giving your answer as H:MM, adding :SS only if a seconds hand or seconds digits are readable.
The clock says 1:26
